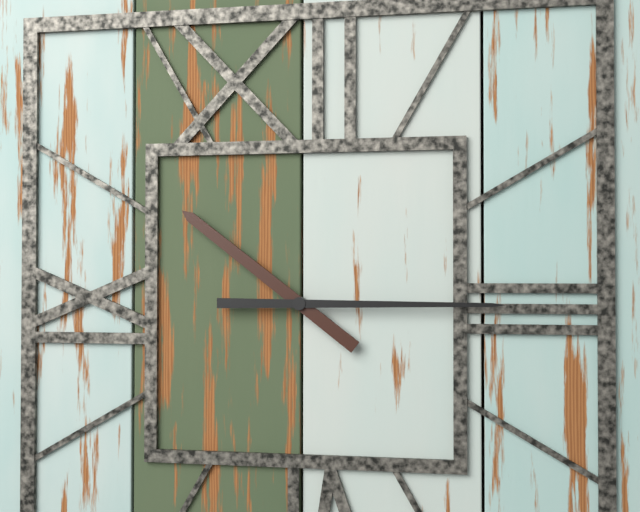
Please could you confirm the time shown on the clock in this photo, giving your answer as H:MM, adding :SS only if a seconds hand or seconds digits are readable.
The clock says 10:15
